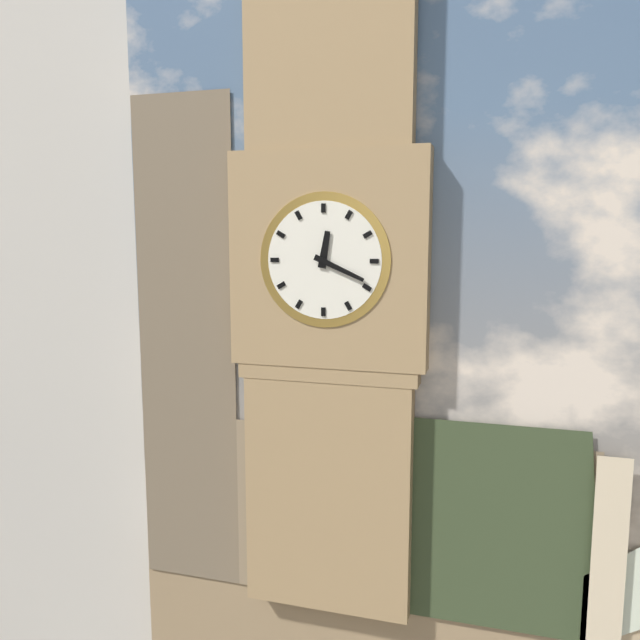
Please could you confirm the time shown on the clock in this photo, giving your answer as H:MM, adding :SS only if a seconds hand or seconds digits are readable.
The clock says 12:19
